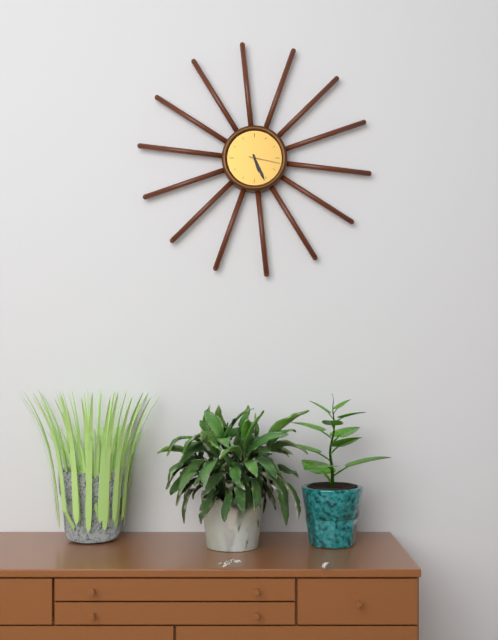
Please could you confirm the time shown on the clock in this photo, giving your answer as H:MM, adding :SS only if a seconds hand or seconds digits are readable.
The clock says 5:26
